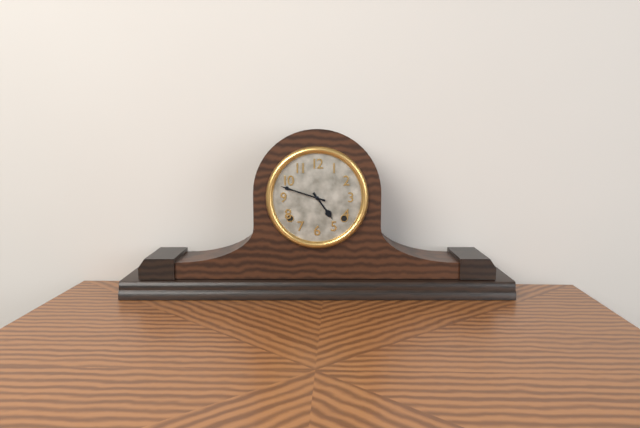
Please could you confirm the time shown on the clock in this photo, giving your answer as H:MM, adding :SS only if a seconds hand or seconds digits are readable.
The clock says 4:48
